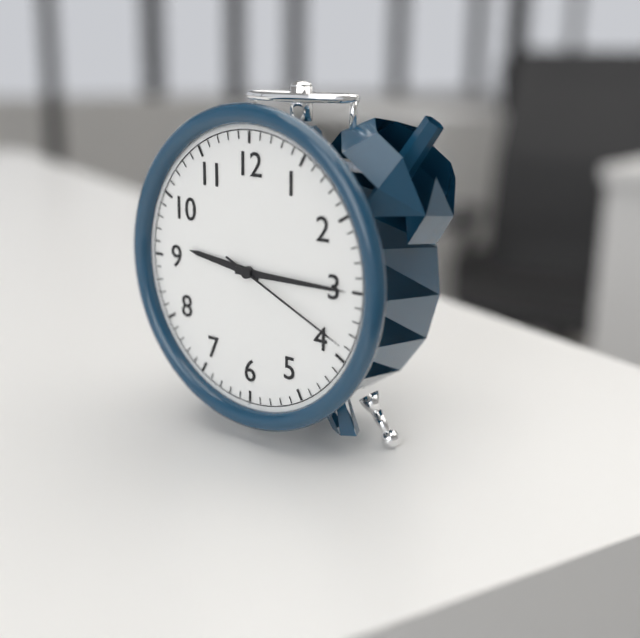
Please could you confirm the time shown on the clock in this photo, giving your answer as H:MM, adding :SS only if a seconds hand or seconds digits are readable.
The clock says 9:15:19
